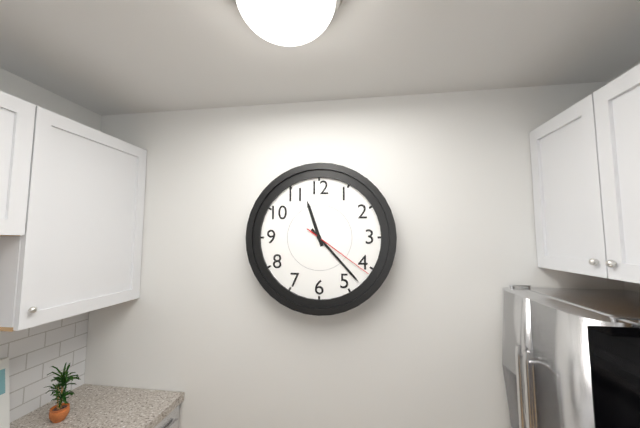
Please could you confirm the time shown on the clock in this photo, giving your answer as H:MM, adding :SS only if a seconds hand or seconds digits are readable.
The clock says 11:23:21
